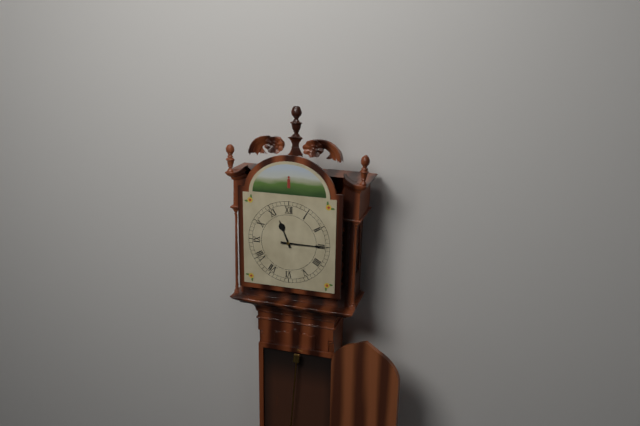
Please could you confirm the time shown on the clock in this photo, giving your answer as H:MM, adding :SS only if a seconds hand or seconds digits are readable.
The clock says 11:15
